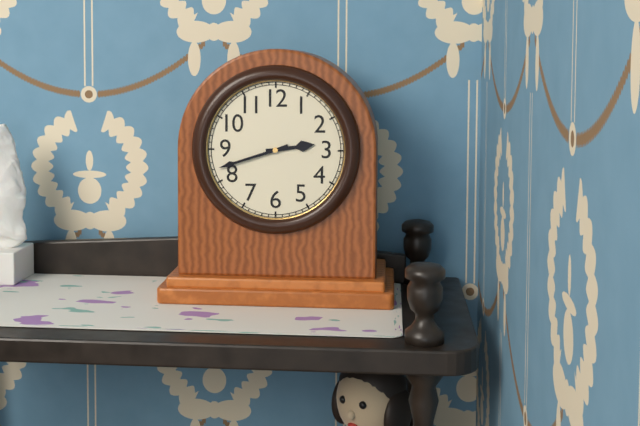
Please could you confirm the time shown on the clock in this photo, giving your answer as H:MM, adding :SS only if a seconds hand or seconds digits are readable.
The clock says 2:42
